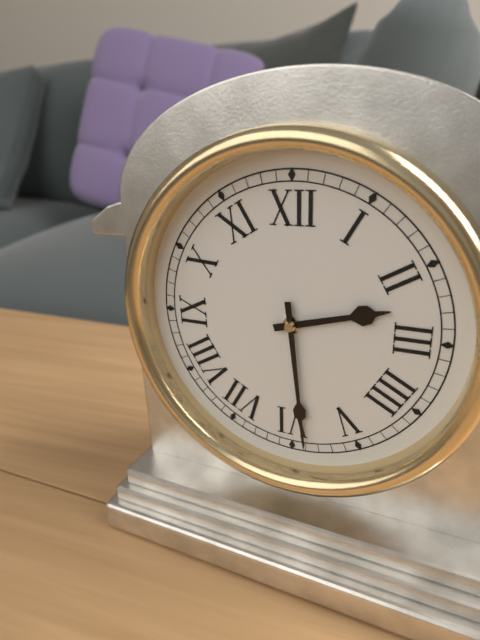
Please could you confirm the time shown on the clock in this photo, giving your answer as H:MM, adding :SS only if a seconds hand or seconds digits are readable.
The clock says 2:29
